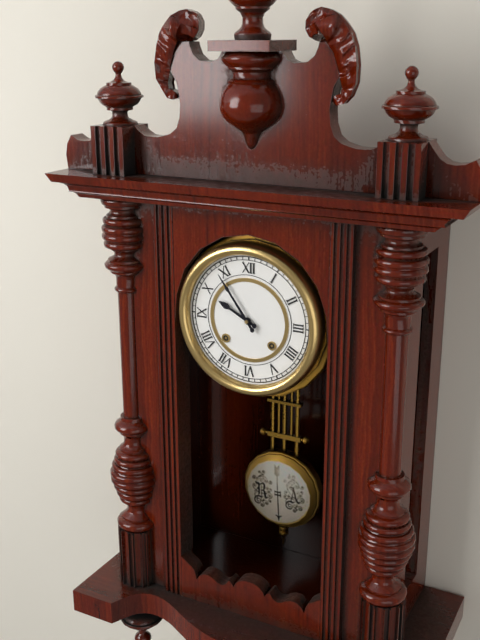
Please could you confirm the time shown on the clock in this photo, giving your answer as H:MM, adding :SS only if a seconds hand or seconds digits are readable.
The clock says 9:54
